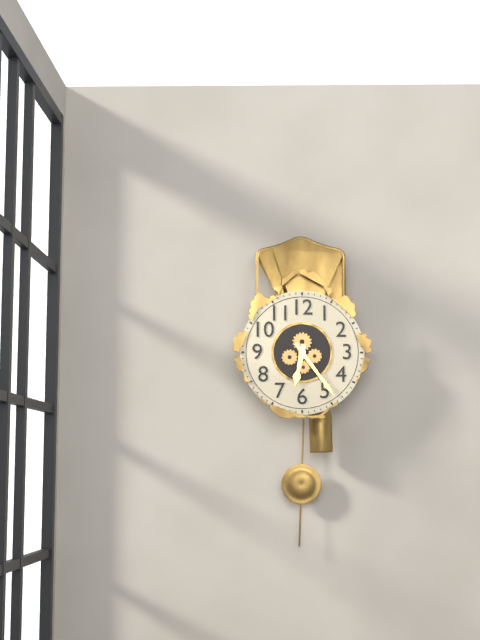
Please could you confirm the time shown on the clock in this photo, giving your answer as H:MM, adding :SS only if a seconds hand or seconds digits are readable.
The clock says 6:24
